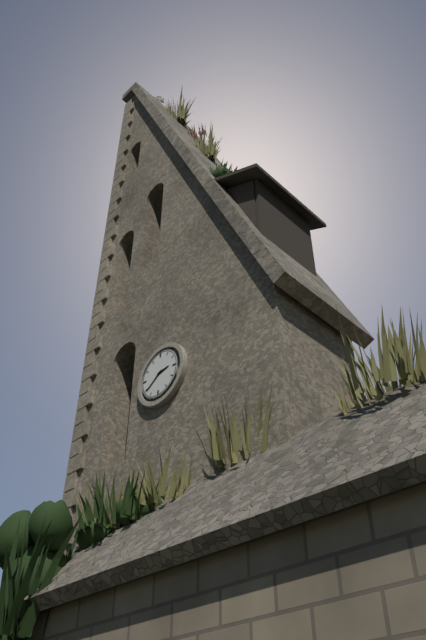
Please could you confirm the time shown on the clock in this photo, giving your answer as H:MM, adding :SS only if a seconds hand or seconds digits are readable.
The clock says 2:39
